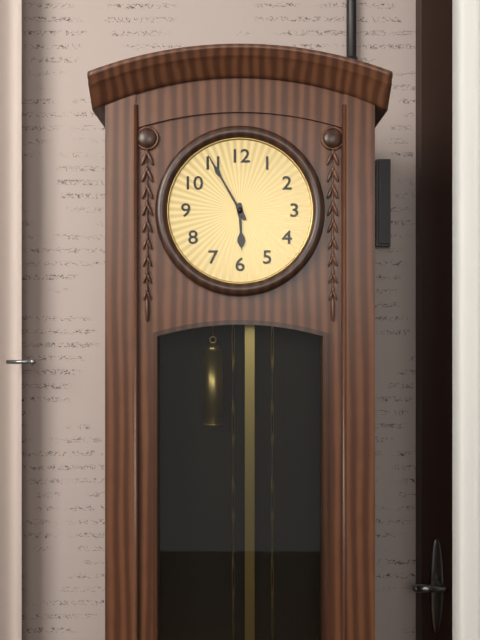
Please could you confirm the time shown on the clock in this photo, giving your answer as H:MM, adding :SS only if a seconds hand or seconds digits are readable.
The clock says 5:55
